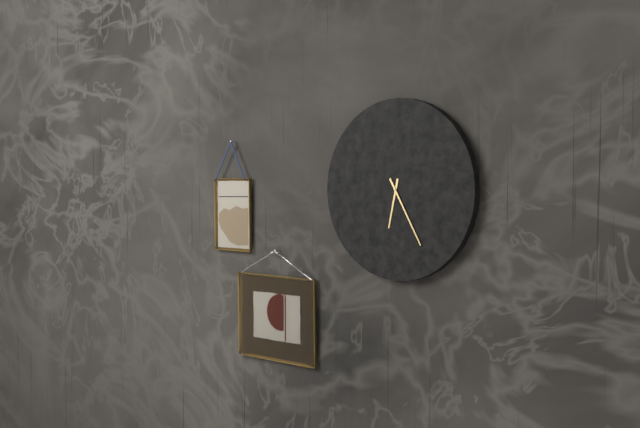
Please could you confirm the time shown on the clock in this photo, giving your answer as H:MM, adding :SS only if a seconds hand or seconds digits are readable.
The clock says 6:25
